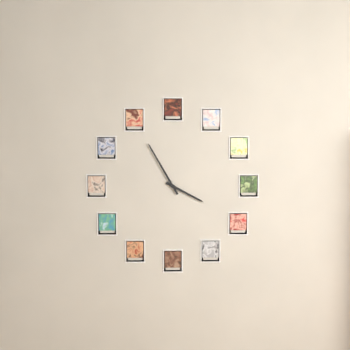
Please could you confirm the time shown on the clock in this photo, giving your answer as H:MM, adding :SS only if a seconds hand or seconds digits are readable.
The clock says 3:55
